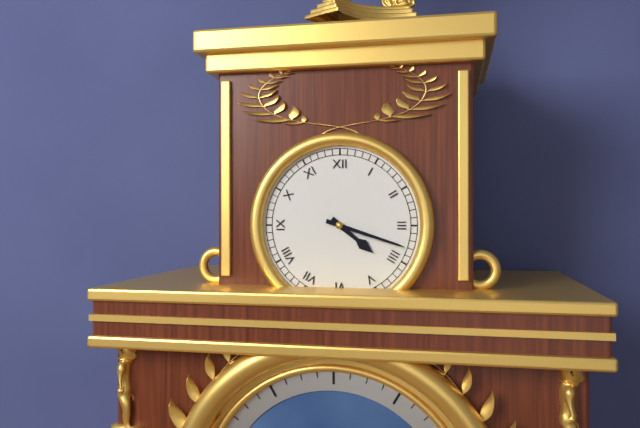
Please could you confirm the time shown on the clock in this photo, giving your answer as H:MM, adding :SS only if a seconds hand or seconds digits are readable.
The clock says 4:18
